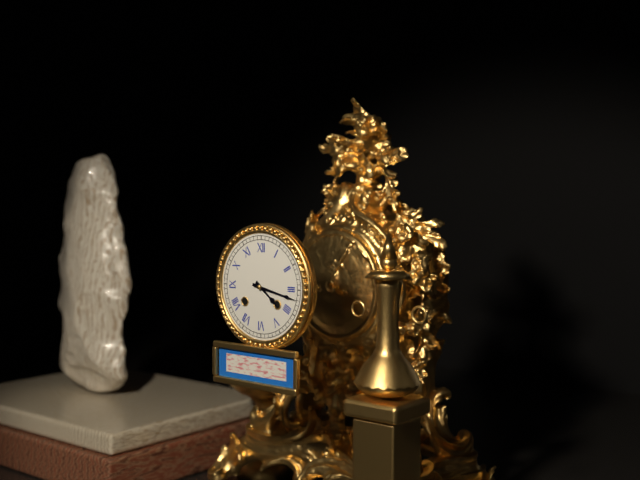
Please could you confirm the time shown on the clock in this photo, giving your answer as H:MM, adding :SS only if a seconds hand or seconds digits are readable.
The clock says 4:17
